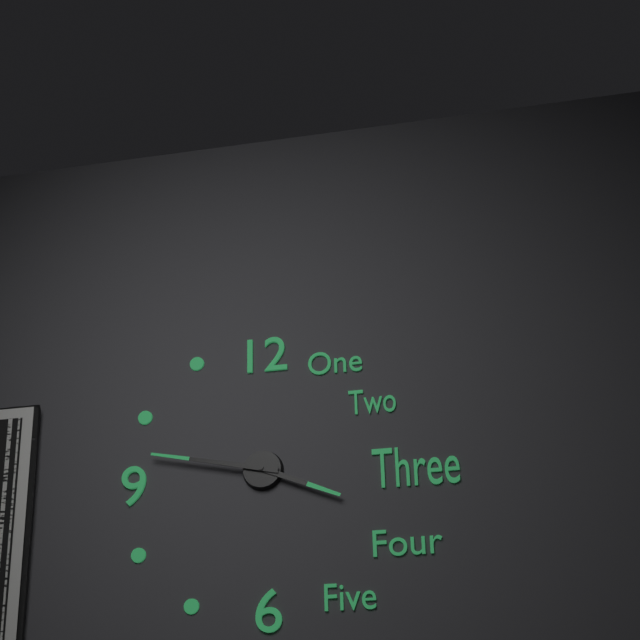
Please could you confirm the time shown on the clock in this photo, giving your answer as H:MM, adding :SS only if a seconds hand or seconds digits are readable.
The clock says 3:47
